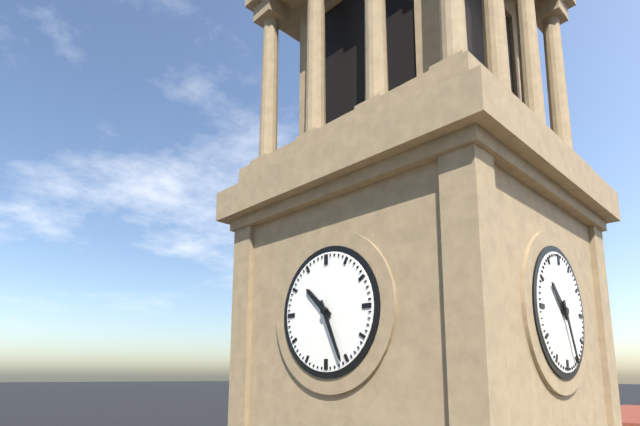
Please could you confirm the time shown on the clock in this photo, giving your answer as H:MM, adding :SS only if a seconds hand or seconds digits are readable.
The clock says 10:26
